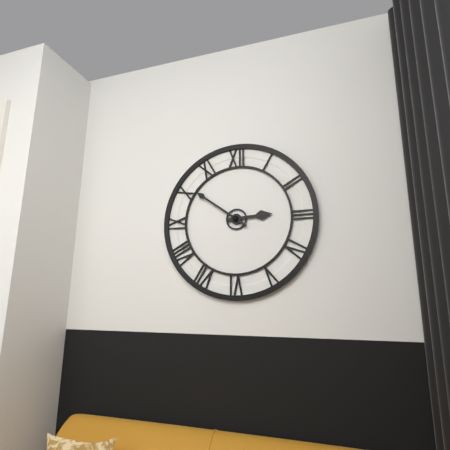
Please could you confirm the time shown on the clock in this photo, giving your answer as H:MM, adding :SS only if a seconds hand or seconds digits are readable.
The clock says 2:51
